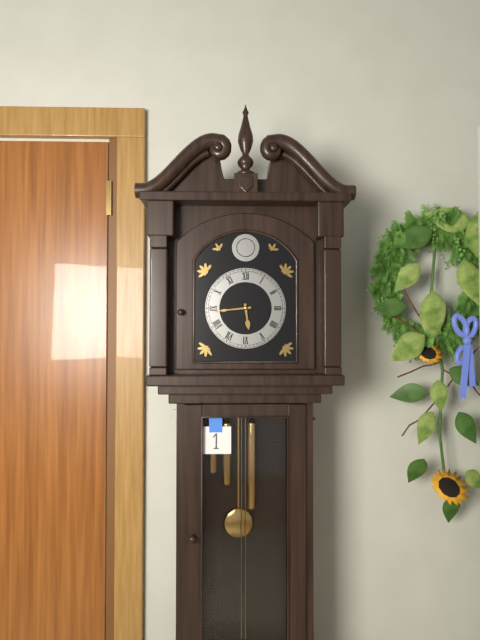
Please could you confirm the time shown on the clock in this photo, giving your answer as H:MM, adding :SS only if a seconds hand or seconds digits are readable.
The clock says 5:44
